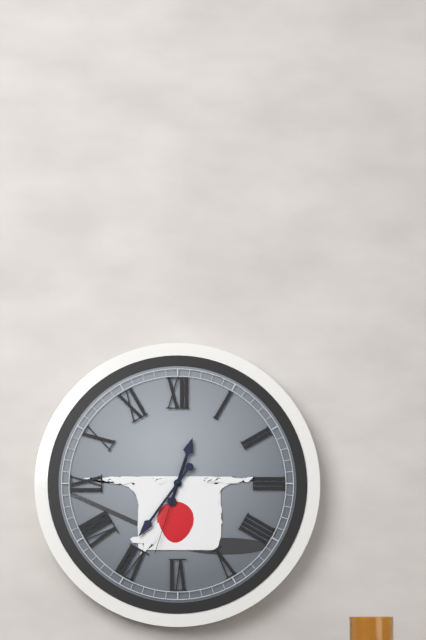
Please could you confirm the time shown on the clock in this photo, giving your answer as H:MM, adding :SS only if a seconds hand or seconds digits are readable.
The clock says 12:36:33
